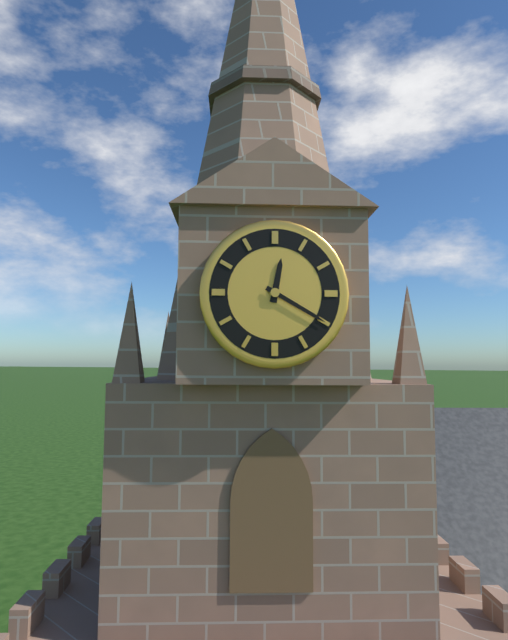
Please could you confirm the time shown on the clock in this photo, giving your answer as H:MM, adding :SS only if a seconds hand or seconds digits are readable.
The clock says 12:20
